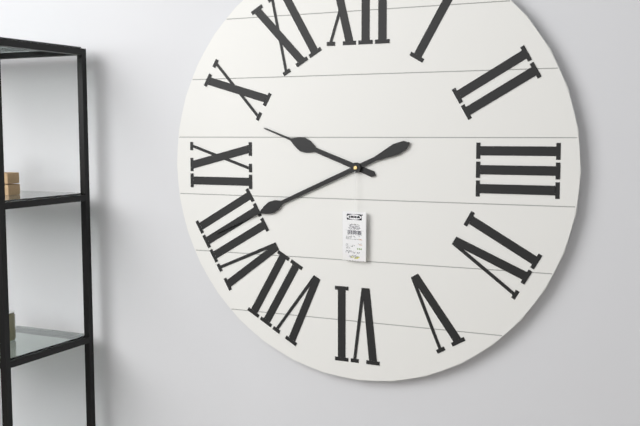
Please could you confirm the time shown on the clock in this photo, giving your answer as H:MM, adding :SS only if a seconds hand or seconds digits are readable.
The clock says 9:41
